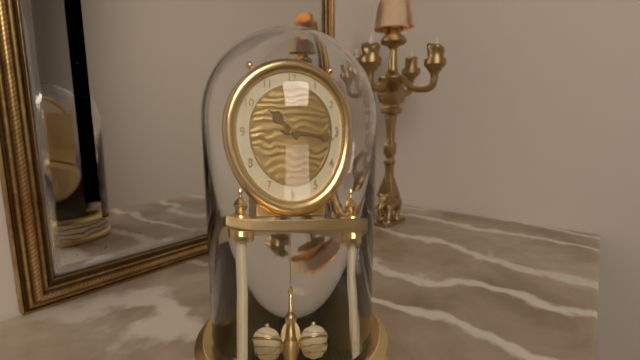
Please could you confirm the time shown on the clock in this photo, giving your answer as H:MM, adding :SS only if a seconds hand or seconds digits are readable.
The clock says 10:16
